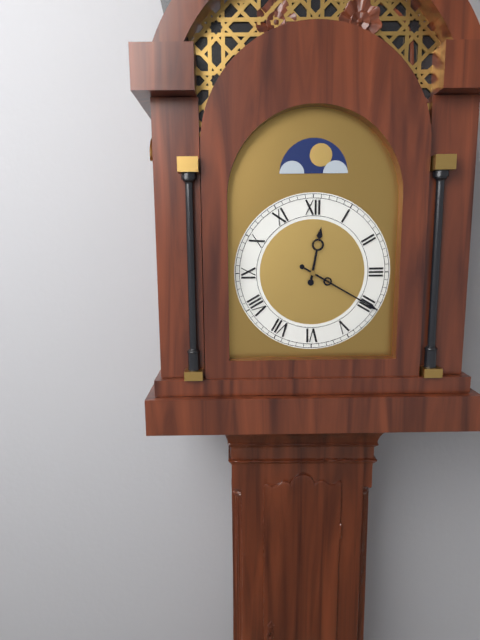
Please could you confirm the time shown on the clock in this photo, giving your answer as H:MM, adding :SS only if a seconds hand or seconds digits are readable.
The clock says 12:20
